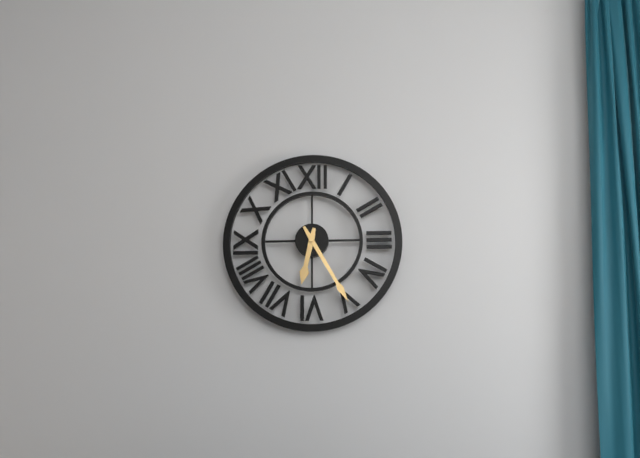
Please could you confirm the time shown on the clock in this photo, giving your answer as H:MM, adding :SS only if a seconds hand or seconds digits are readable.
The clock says 6:25
